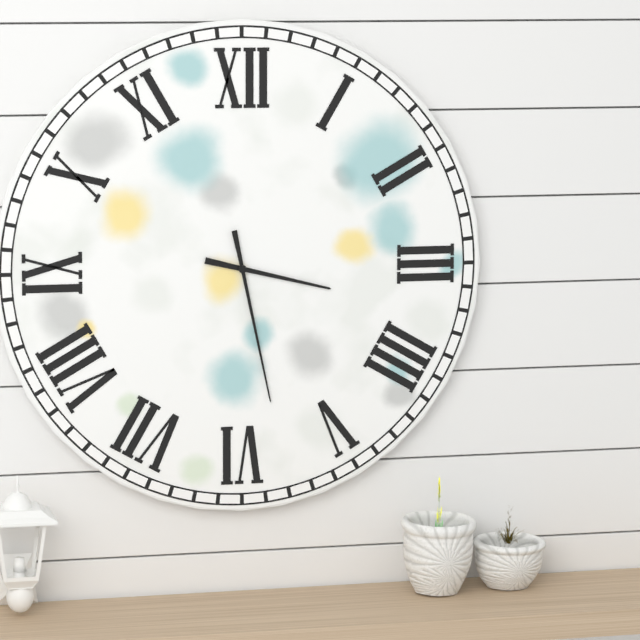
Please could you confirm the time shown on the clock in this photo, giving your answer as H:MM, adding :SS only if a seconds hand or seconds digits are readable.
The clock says 3:28
